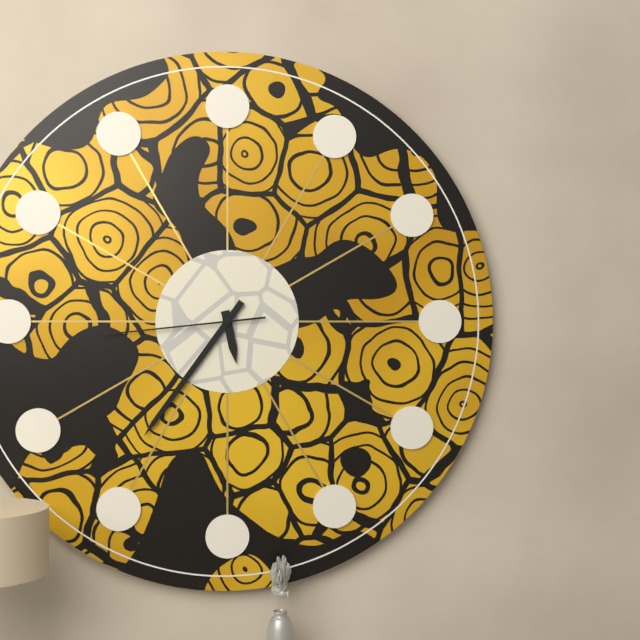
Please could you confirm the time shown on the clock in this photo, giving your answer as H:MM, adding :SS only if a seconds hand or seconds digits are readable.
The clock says 5:36:44
